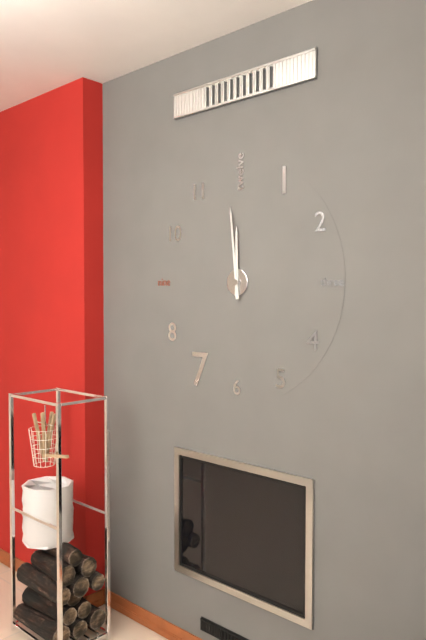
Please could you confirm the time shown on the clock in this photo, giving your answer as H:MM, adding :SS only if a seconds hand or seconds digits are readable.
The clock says 11:59
